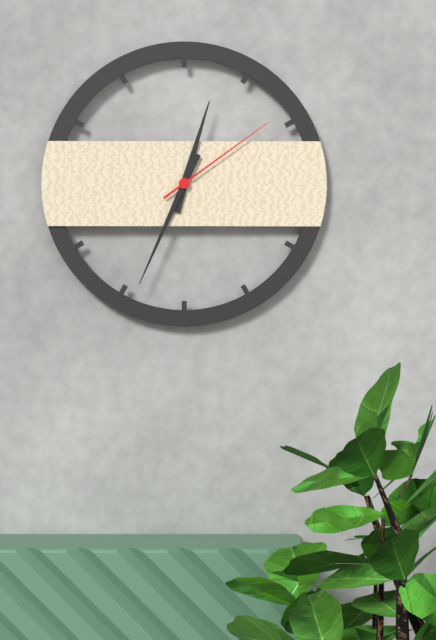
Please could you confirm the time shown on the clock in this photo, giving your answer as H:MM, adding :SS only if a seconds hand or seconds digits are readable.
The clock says 12:34:09
